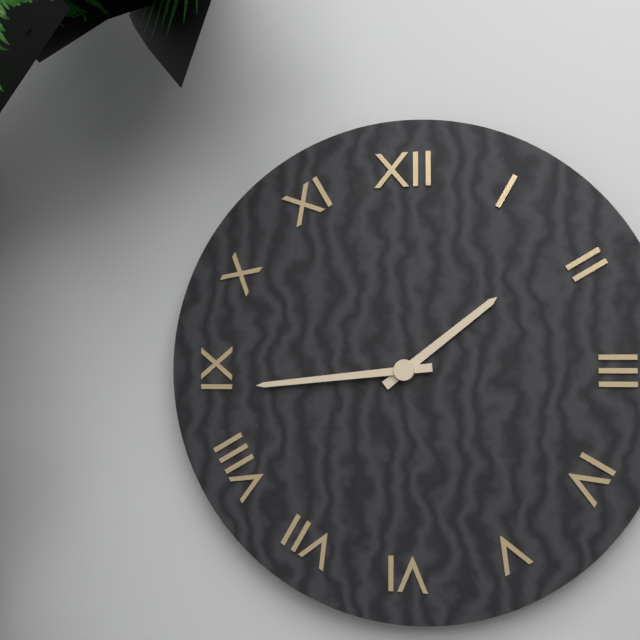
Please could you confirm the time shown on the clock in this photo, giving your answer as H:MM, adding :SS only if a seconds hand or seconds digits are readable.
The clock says 1:44
